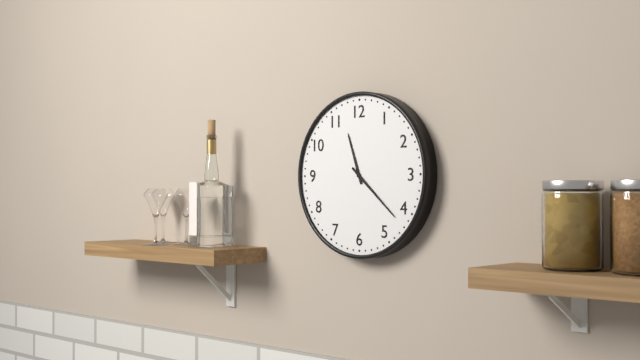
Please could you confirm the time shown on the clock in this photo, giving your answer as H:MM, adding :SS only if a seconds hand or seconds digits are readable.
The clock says 11:22
